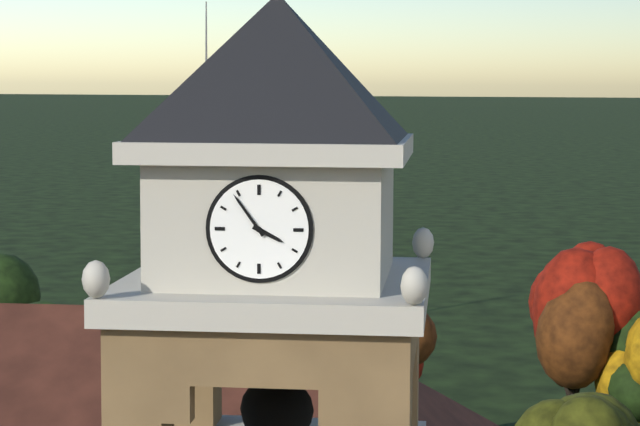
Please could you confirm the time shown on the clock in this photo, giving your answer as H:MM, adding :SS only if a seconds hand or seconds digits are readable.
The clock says 3:54
